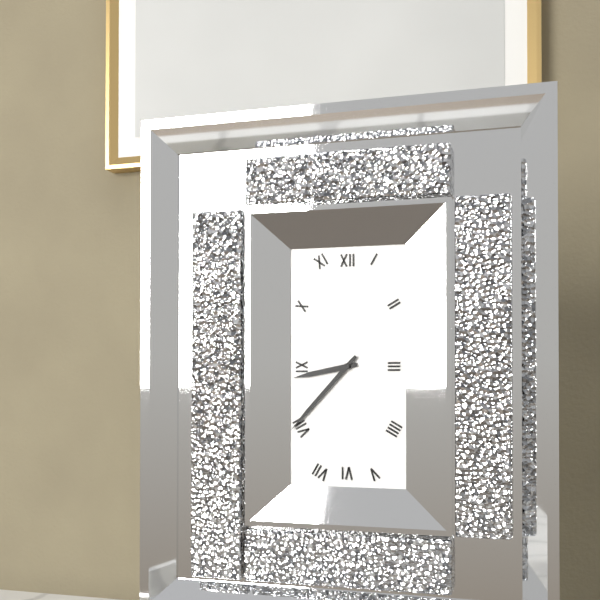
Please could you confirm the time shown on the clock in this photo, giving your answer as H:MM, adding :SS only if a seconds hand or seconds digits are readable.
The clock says 8:37
